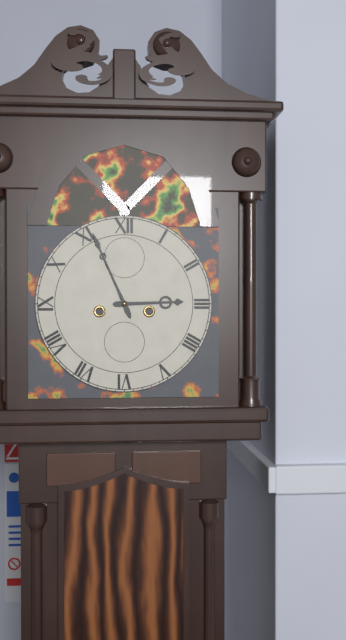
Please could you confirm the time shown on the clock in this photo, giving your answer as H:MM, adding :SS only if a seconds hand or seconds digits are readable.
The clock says 2:56
